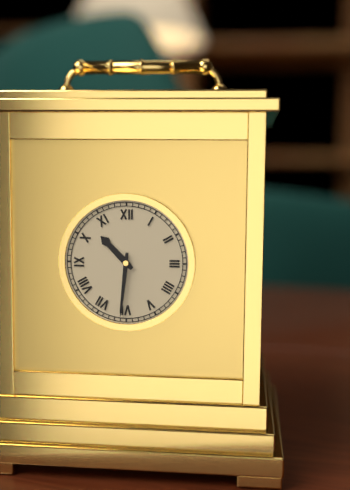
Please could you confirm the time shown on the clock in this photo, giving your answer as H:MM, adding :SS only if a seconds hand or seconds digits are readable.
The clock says 10:31
